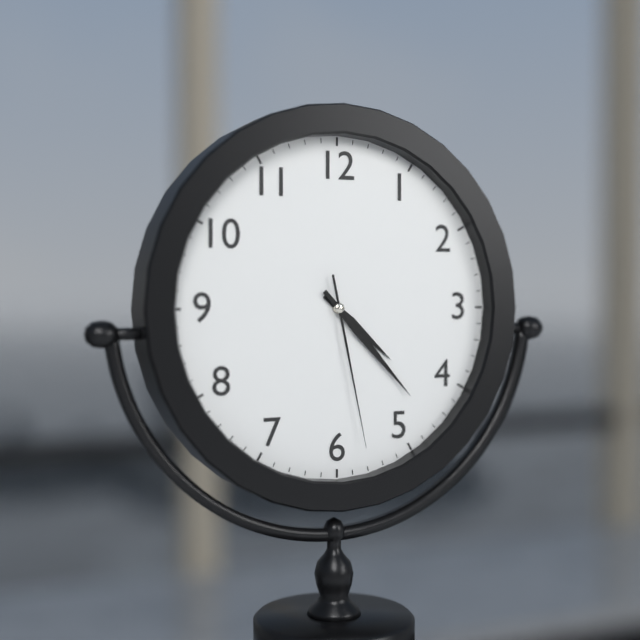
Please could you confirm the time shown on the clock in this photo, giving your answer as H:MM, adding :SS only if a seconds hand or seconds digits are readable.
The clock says 4:23:28
